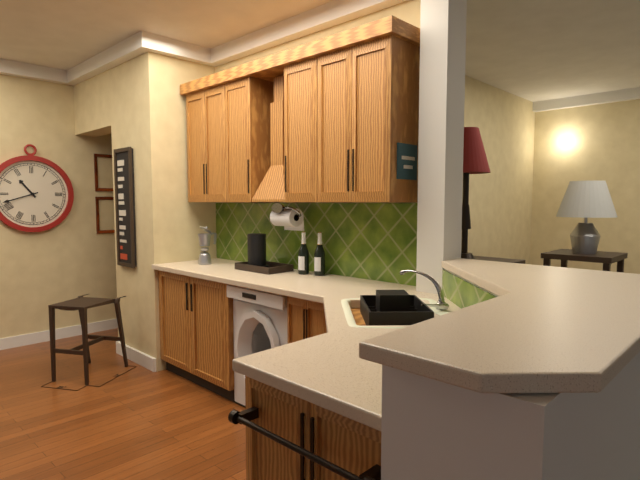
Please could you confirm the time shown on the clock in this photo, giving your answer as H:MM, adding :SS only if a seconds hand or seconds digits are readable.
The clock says 10:42
